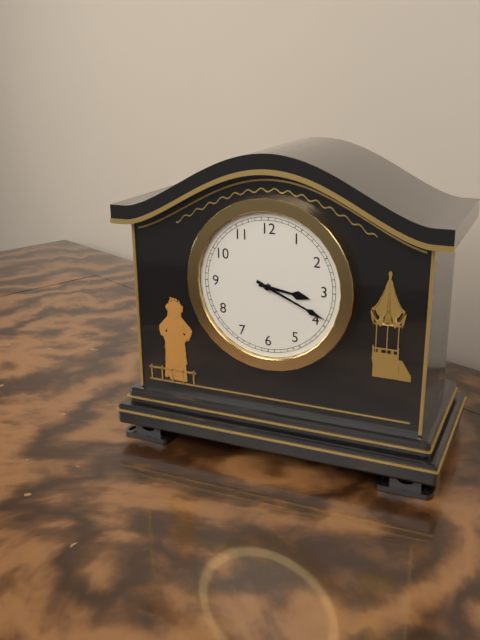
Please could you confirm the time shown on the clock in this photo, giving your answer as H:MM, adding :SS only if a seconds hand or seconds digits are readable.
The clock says 3:19
